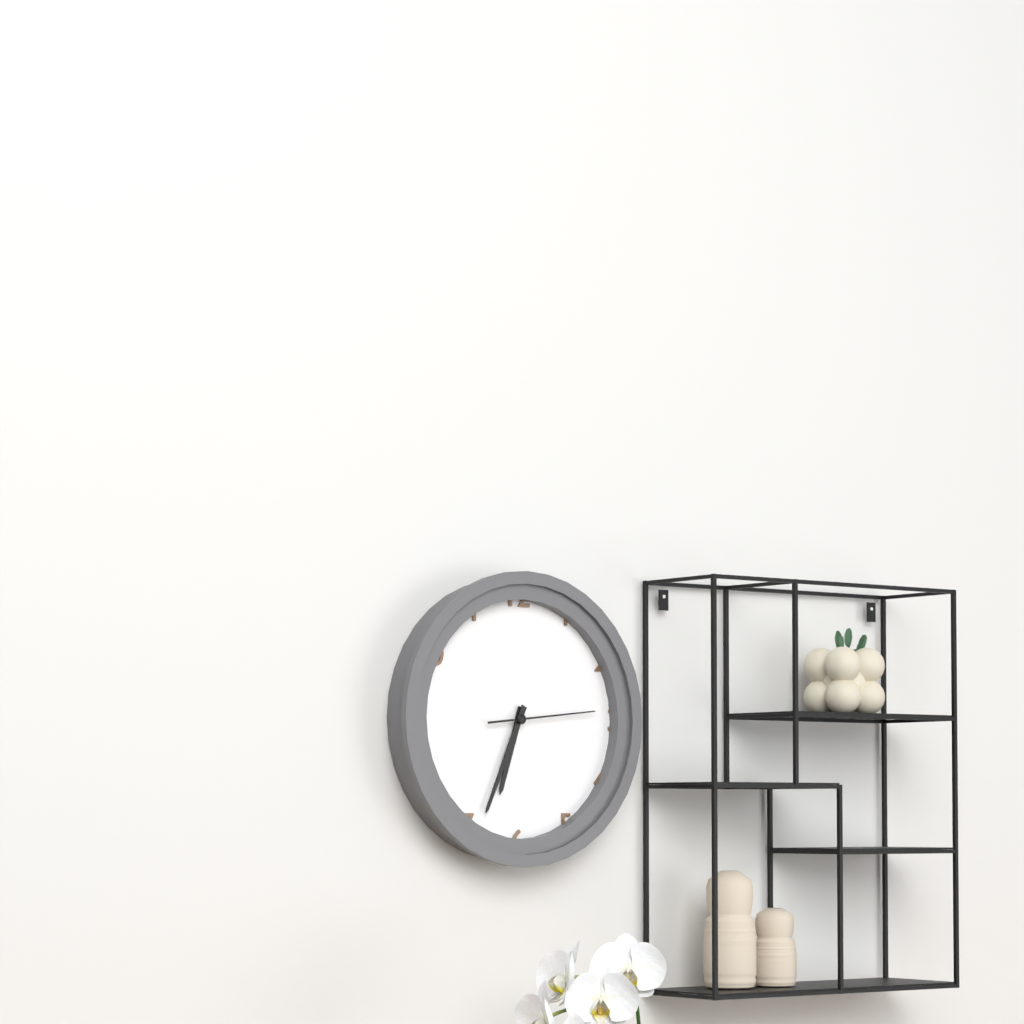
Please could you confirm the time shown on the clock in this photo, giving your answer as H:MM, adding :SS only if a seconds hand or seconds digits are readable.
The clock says 6:34:14
